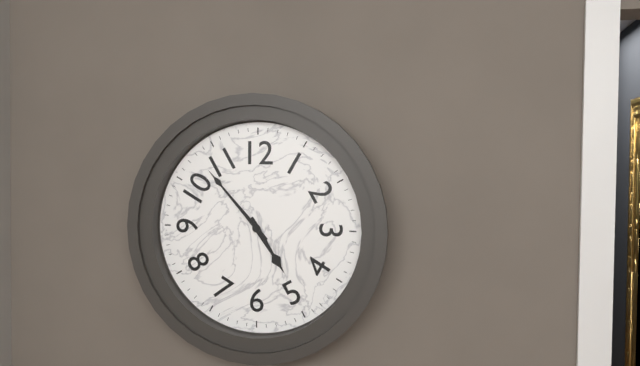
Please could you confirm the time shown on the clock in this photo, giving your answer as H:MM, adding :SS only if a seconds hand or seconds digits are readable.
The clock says 4:53
